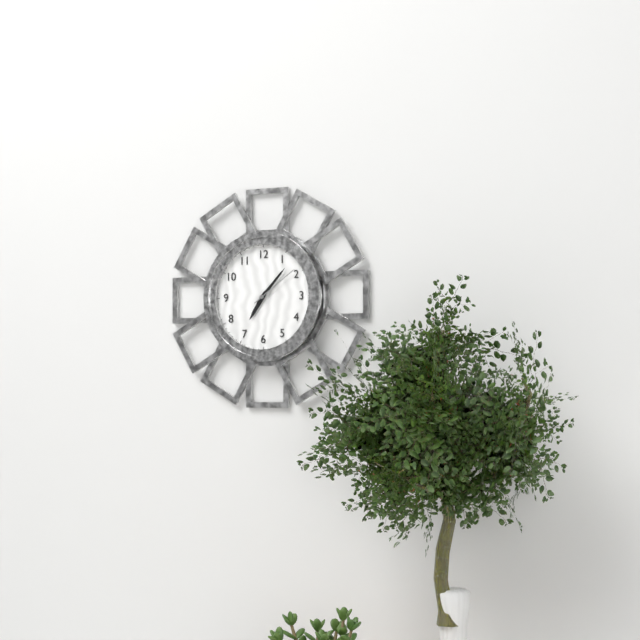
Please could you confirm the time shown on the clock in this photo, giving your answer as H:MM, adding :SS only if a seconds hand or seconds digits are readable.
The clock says 7:07:09
